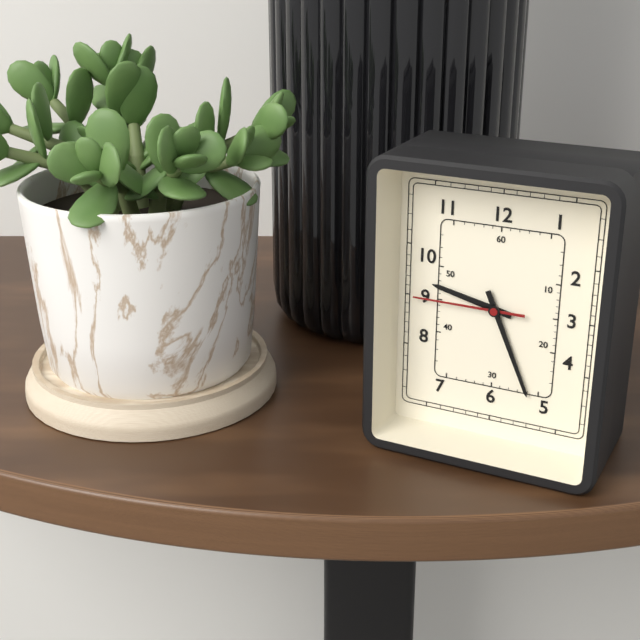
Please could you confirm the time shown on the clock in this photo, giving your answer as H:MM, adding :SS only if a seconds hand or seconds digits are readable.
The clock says 9:26:45
